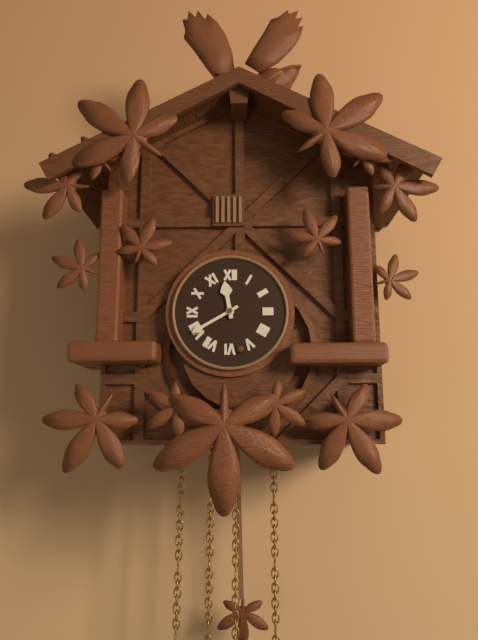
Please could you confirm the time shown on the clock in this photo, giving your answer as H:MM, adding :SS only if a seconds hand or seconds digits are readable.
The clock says 11:40
